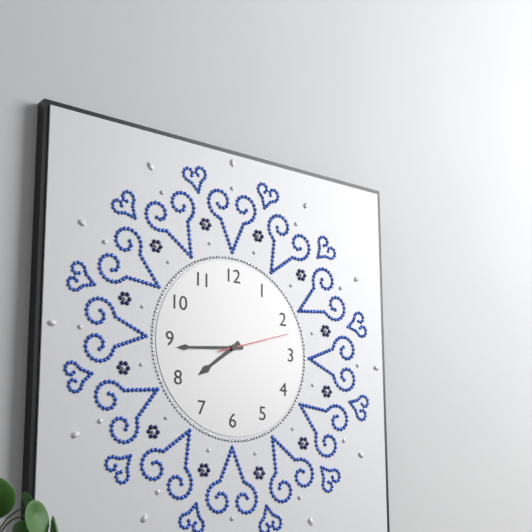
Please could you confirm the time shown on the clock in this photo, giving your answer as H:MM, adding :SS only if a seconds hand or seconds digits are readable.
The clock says 7:44:12
